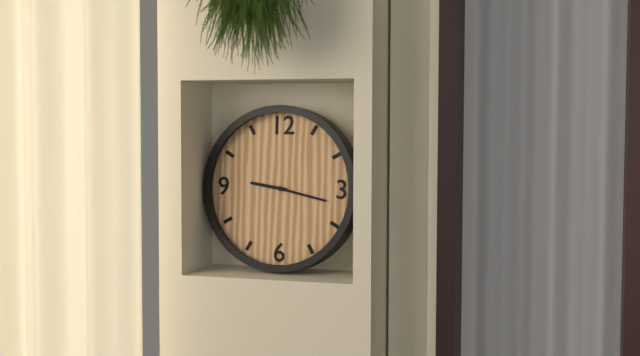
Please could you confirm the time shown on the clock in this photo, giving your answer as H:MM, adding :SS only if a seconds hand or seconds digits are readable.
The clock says 9:17
